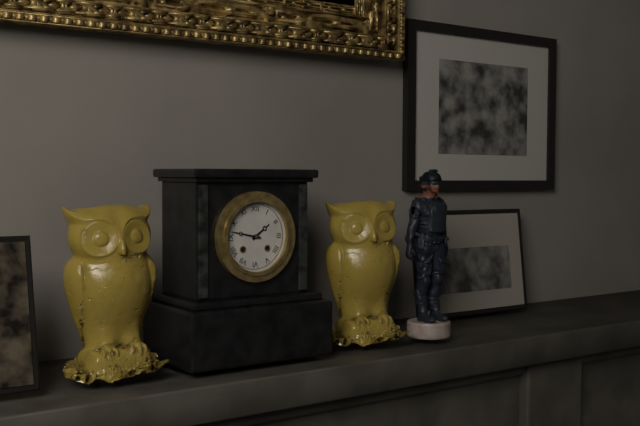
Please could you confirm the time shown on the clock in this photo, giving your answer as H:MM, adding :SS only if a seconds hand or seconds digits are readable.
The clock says 1:47
